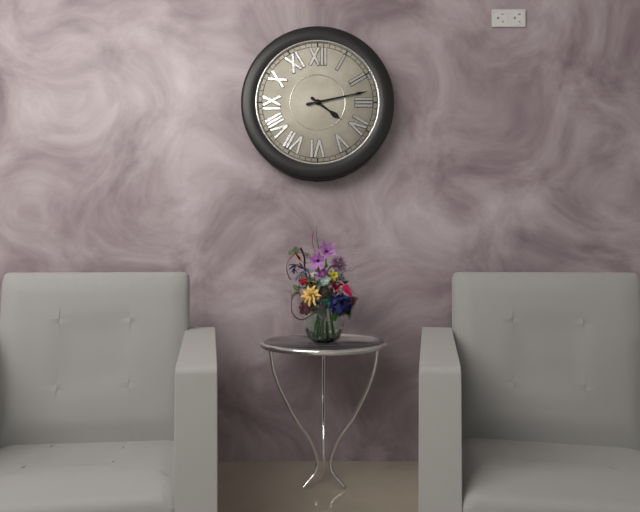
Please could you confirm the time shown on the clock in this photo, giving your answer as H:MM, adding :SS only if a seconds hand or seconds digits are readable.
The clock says 4:13
